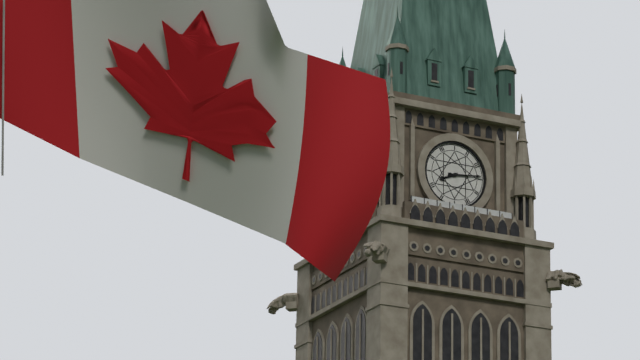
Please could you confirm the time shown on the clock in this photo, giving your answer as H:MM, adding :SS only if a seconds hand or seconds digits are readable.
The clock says 8:14
